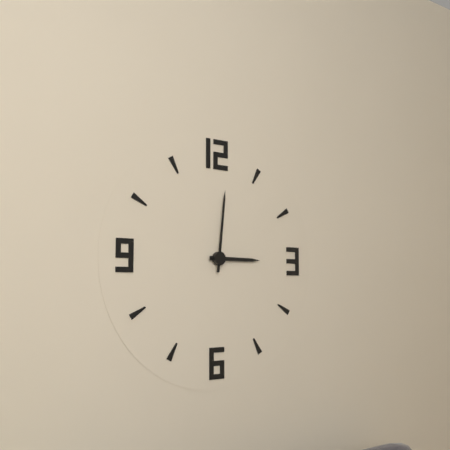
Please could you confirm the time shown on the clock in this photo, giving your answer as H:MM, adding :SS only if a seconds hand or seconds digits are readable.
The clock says 3:01
